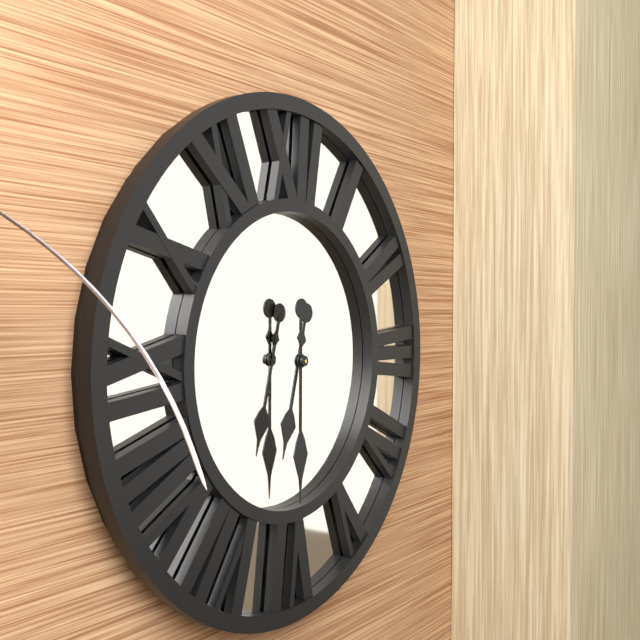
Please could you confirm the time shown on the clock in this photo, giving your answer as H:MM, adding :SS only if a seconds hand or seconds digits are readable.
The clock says 6:30
